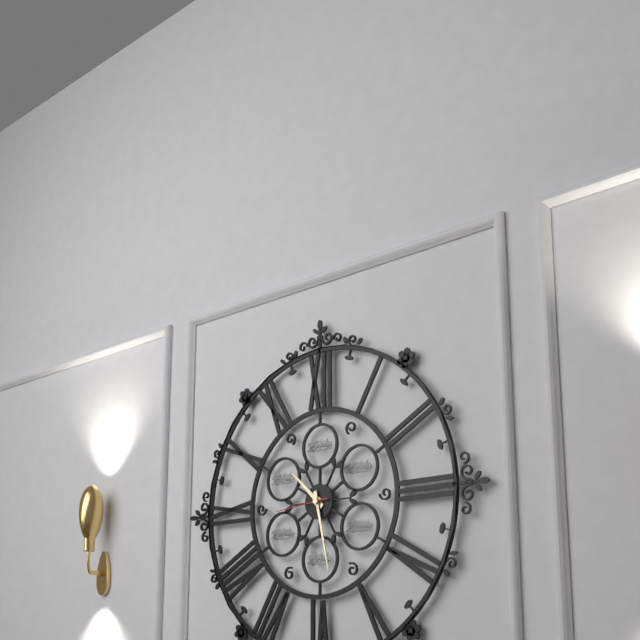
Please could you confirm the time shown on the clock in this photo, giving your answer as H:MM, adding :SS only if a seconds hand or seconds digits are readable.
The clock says 10:28:44
